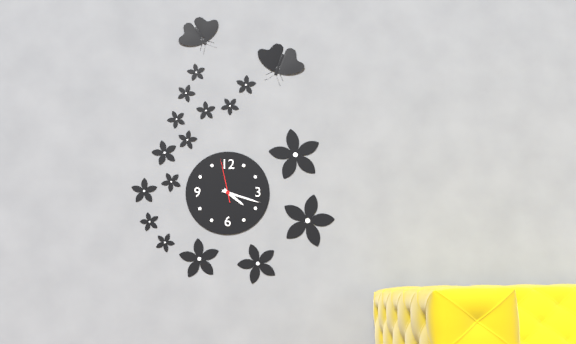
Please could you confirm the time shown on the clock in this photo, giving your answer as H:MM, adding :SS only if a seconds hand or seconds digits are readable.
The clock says 4:18
